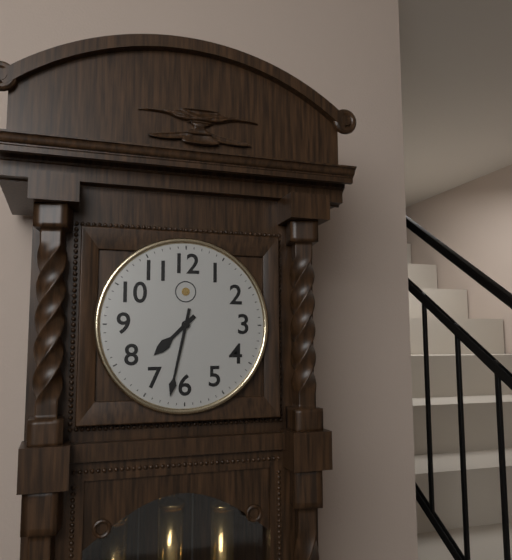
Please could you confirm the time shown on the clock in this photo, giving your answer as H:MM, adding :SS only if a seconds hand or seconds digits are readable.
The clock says 7:32
